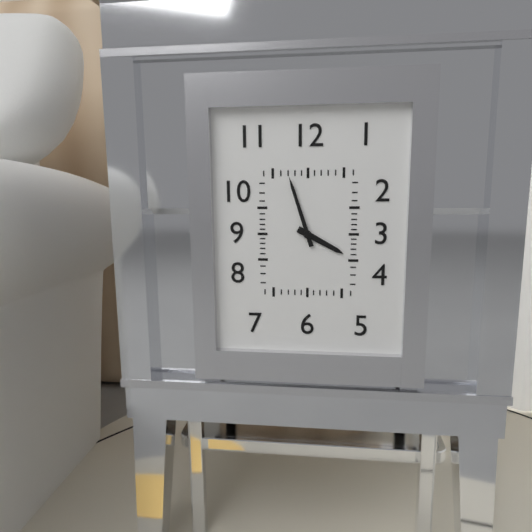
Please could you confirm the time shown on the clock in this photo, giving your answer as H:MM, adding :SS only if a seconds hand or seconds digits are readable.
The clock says 3:57
